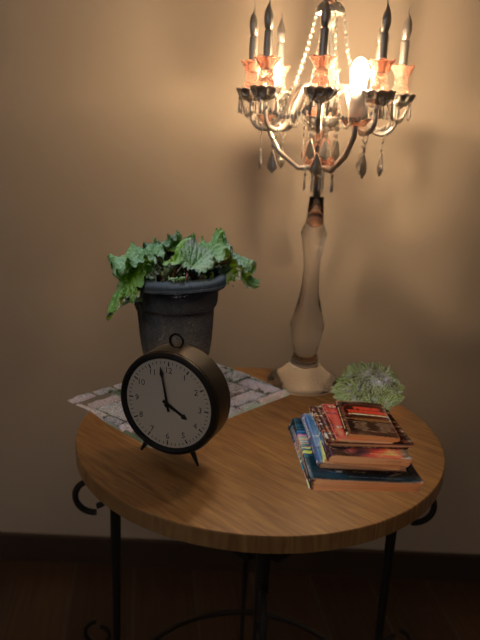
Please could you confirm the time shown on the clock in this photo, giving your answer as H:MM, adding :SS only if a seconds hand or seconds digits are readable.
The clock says 3:58
